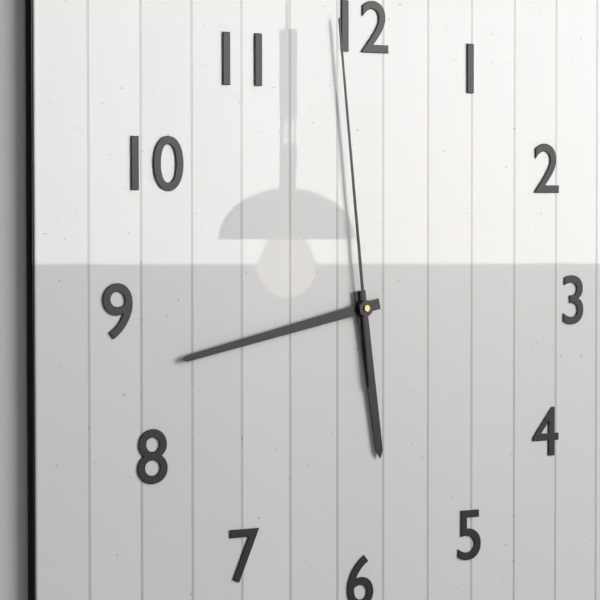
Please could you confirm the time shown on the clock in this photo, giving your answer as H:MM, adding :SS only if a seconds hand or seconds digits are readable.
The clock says 5:43:59
